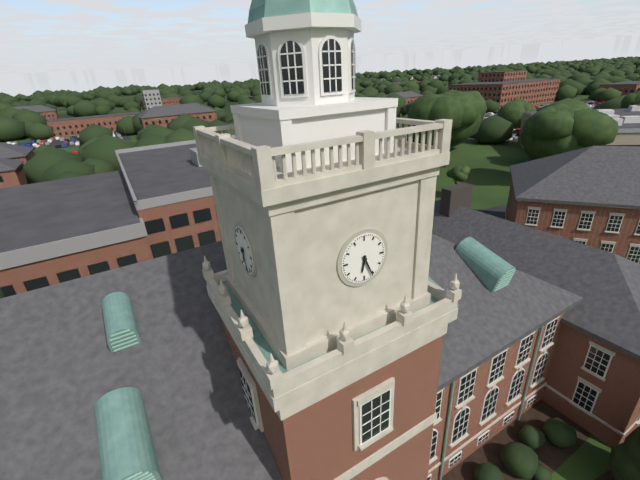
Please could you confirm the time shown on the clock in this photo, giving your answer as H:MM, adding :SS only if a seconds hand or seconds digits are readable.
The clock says 6:26
